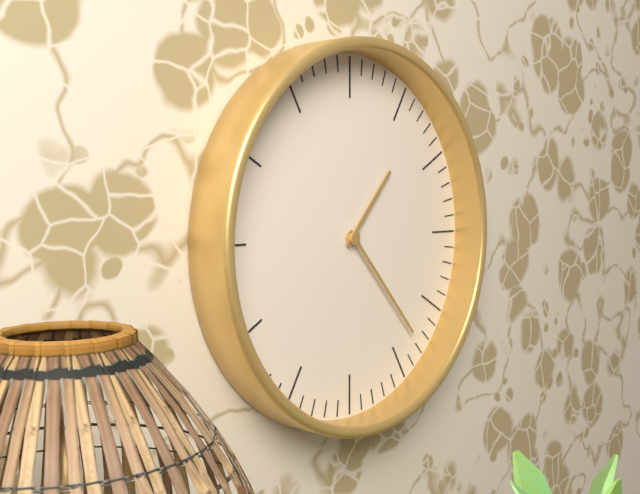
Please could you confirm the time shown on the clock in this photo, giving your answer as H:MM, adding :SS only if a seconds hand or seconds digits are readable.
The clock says 1:23
